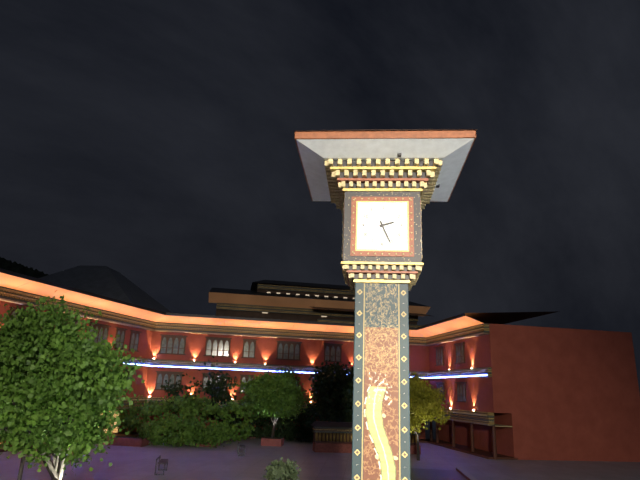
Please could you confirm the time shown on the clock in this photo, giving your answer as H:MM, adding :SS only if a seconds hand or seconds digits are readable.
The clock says 2:26
